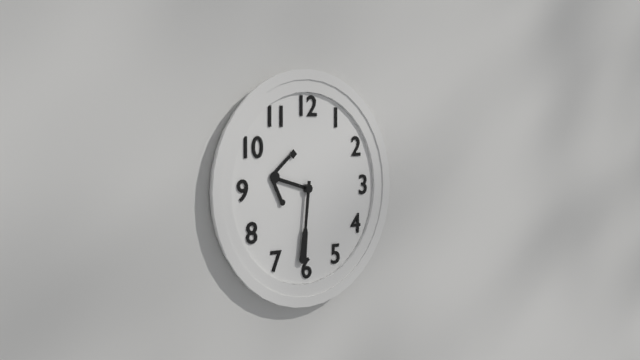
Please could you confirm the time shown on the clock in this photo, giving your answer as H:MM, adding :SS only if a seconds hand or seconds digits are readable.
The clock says 9:31
